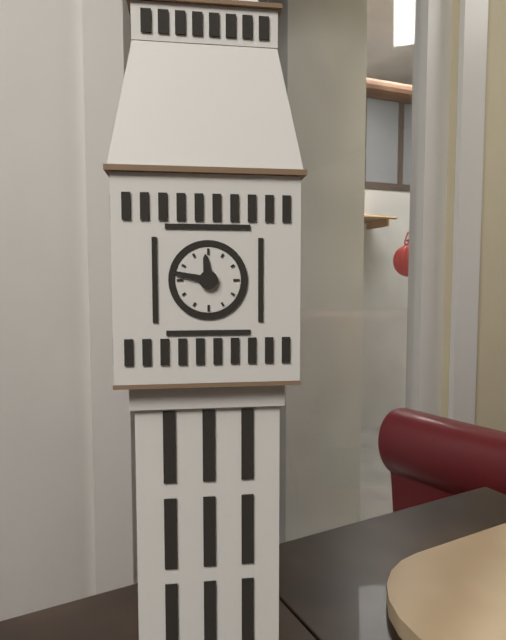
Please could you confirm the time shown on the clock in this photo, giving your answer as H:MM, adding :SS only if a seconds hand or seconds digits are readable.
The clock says 11:47
